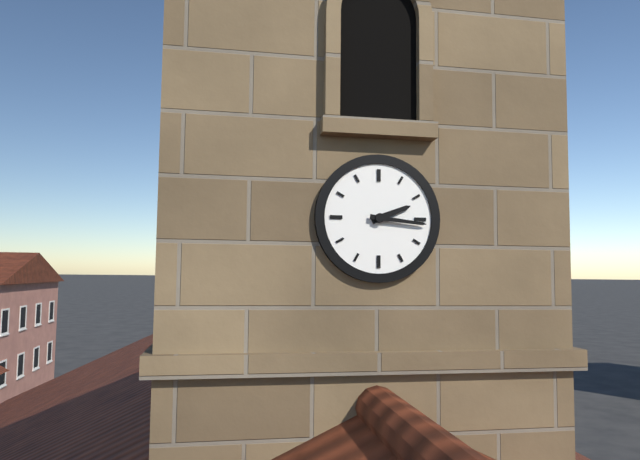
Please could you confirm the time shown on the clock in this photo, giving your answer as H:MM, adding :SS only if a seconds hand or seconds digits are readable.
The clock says 2:16
